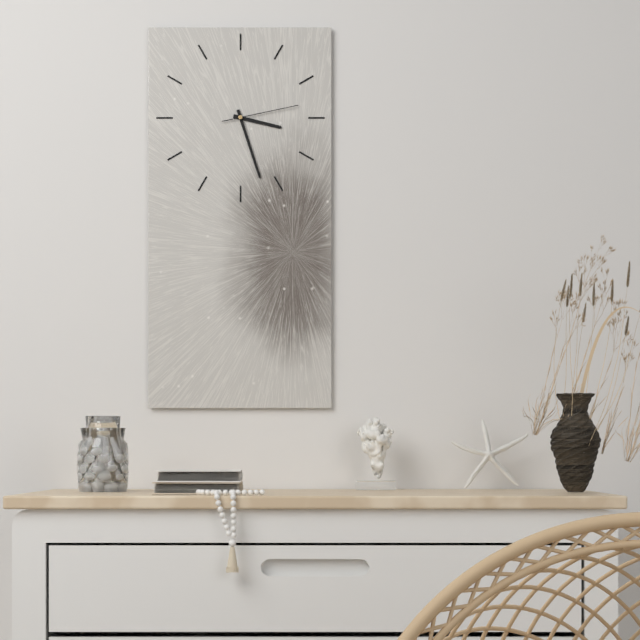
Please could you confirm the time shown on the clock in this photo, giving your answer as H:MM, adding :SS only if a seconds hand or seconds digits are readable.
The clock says 3:27:13
